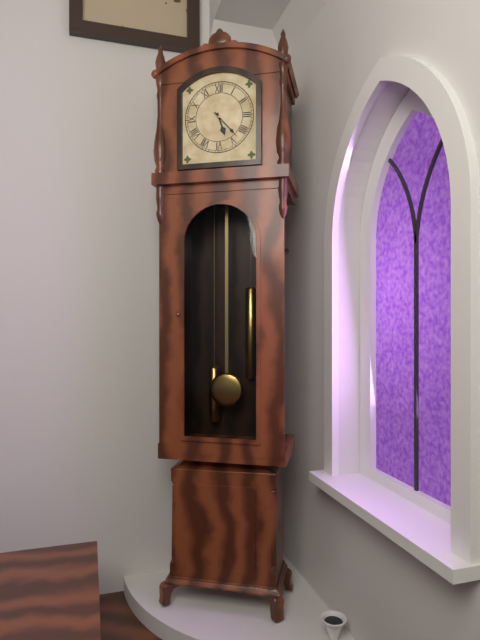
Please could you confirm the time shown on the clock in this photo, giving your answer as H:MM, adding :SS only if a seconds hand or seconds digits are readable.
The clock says 5:23
